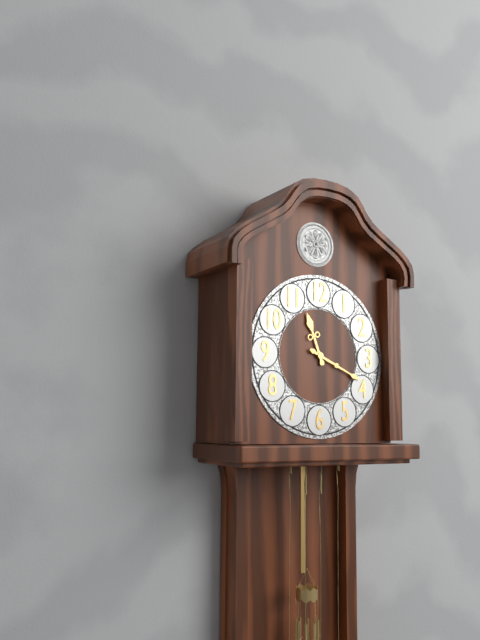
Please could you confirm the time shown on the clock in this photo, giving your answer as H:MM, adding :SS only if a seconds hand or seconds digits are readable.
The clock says 11:19
